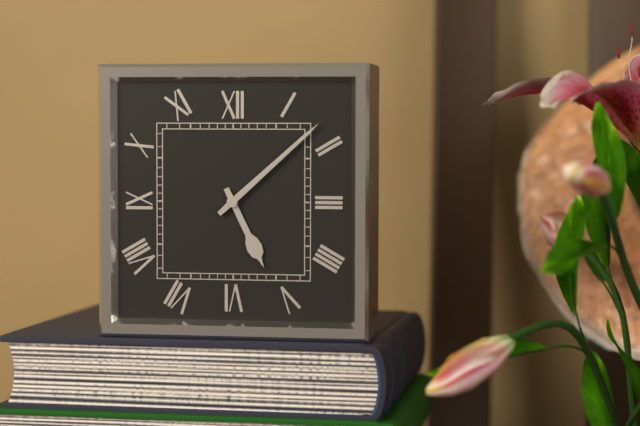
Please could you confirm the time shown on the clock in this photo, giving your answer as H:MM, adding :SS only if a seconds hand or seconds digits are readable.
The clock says 5:08
